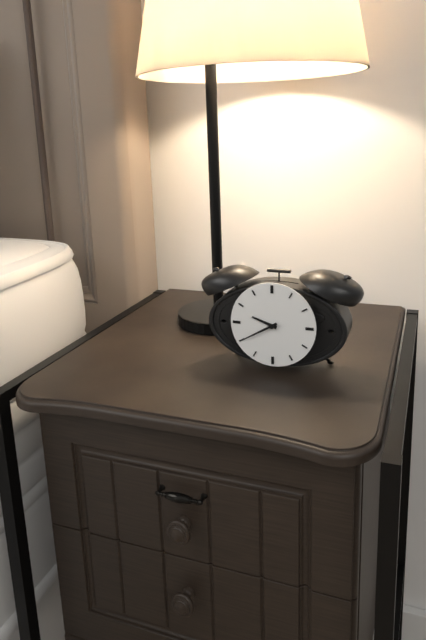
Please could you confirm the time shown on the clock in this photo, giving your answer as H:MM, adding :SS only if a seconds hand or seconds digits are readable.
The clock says 9:40
